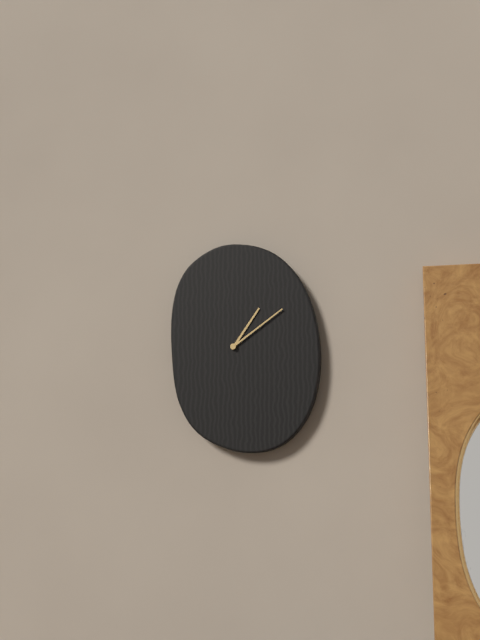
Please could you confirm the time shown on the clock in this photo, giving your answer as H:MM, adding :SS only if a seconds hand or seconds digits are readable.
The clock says 1:09
